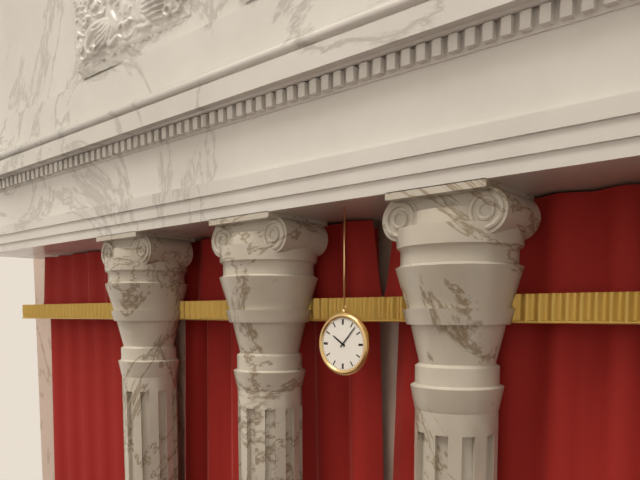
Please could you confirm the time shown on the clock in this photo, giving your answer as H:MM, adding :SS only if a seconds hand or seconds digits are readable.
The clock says 10:07
